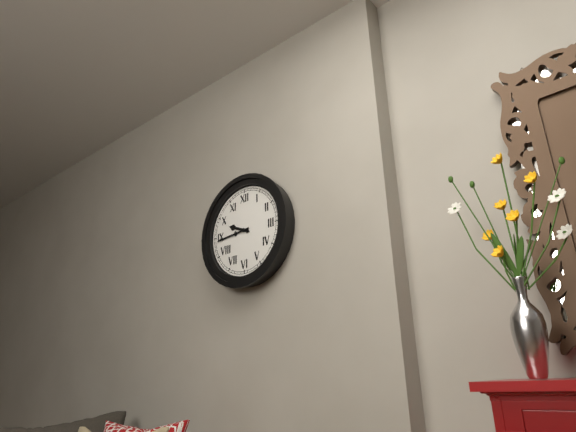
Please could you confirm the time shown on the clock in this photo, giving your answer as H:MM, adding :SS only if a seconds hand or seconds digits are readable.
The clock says 9:44
